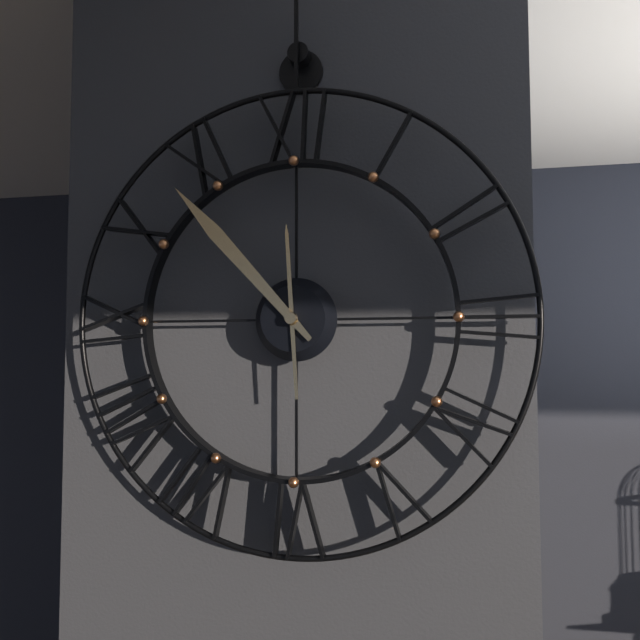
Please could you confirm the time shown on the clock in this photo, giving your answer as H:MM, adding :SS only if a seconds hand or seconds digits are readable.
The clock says 11:53
